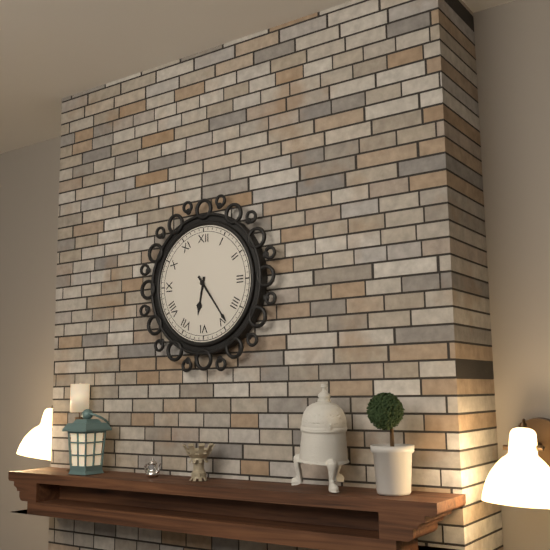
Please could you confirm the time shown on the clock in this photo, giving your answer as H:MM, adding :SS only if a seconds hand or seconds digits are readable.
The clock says 6:24
